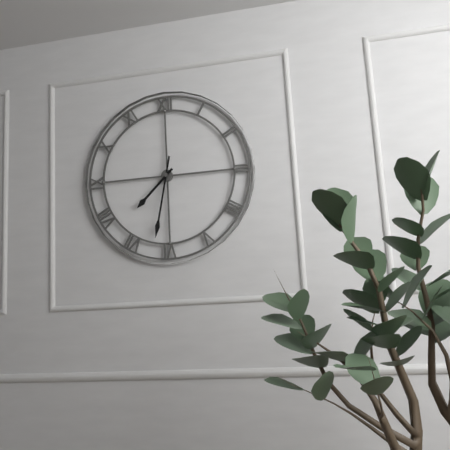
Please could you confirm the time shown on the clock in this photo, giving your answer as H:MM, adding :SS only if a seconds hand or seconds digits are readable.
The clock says 7:32
